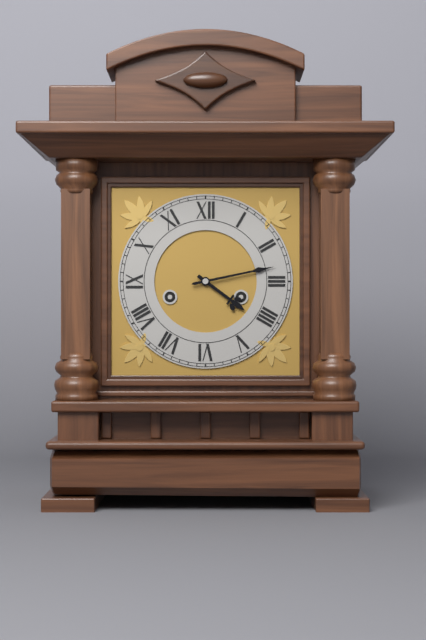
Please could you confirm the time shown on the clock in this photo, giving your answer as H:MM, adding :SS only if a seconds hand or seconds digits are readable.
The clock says 4:13
